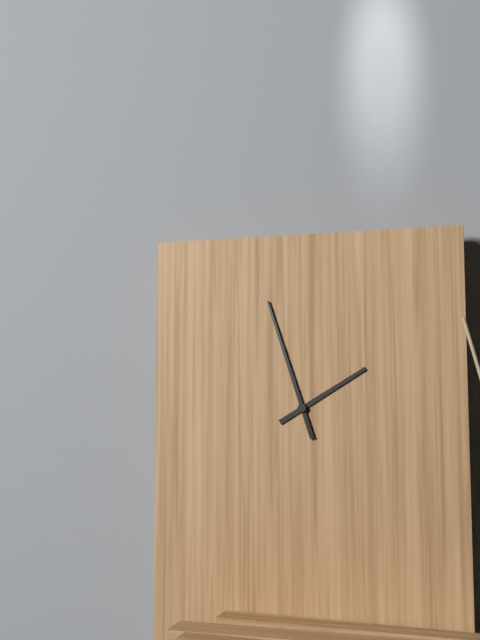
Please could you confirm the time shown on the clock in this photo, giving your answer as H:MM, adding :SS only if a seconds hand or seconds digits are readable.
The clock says 1:57
